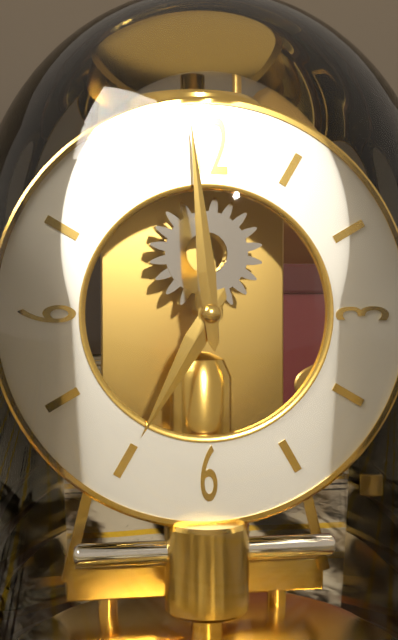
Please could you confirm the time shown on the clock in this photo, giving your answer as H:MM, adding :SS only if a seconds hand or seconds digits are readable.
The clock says 6:59
